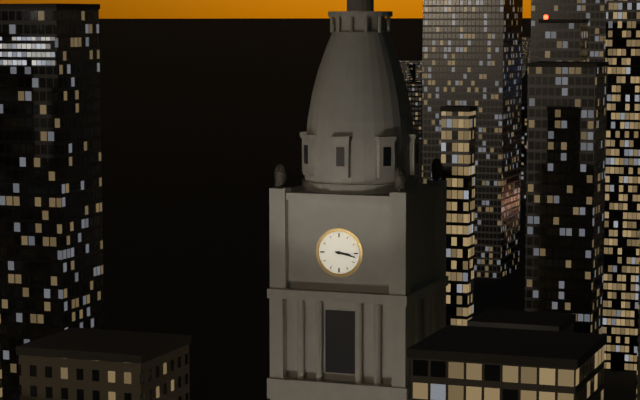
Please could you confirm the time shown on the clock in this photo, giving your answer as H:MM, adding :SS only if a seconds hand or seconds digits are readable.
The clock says 3:17
